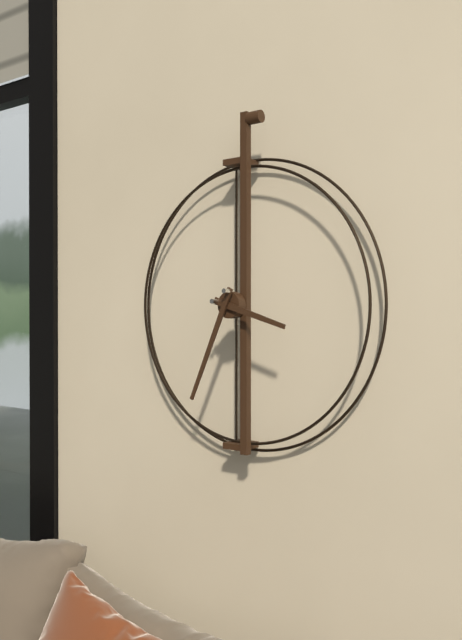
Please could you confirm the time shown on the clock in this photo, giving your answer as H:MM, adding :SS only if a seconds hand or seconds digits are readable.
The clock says 3:34
